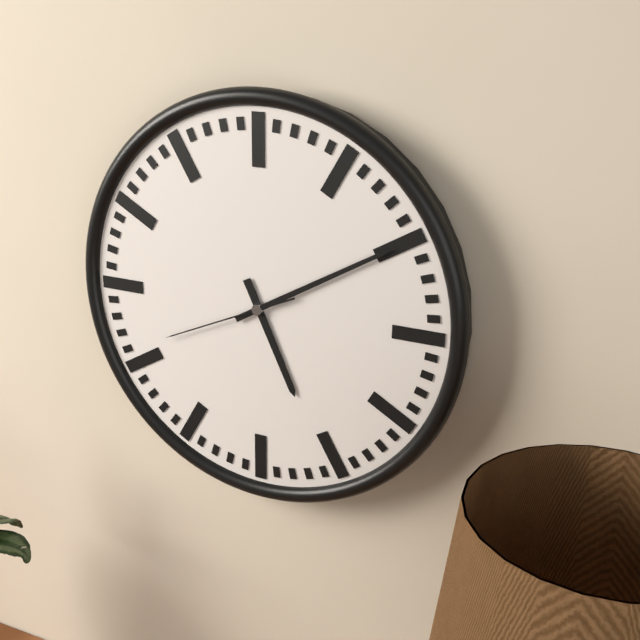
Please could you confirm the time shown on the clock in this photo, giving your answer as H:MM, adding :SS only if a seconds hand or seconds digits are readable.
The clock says 5:10:41
